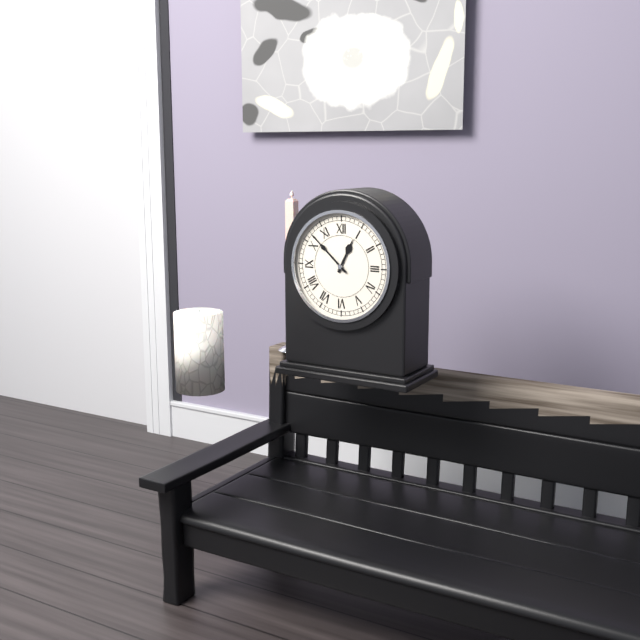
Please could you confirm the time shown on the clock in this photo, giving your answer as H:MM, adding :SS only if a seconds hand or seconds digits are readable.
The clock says 12:52
